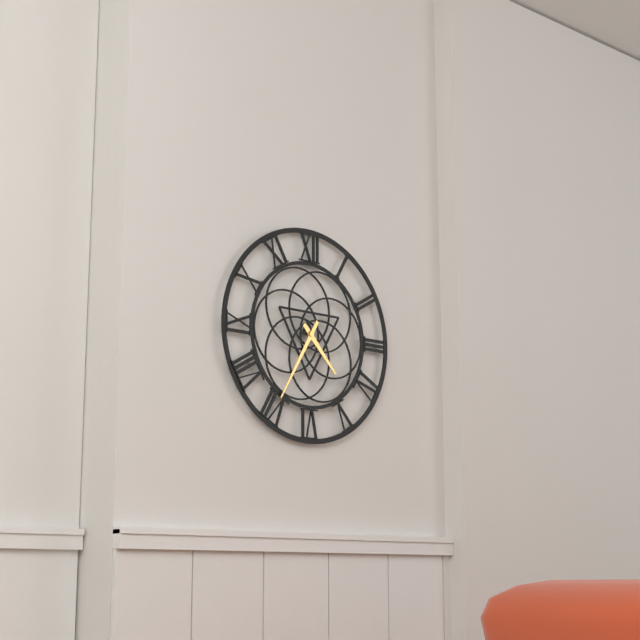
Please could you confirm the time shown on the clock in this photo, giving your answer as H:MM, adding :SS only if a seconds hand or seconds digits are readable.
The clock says 4:35
